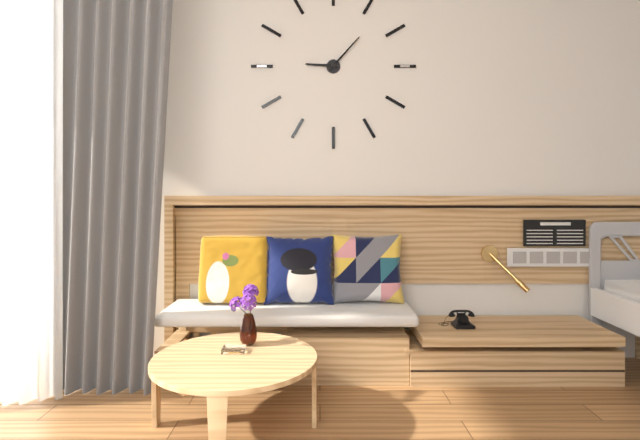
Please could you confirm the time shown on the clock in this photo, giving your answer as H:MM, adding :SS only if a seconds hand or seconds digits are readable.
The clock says 9:07
